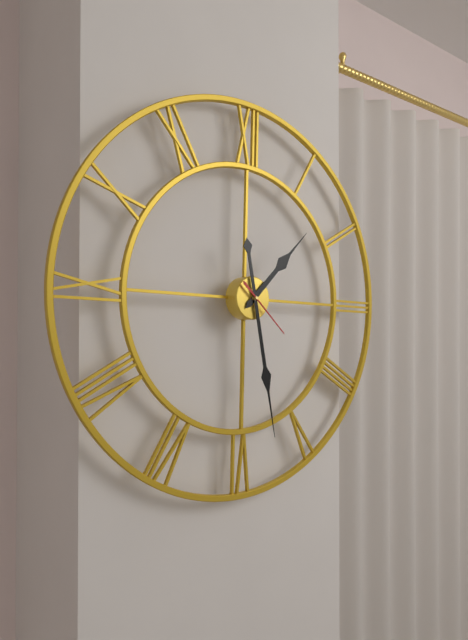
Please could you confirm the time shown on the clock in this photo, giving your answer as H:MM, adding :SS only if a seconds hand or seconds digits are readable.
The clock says 1:28:22
